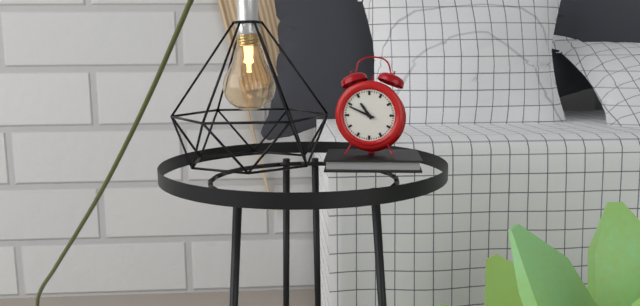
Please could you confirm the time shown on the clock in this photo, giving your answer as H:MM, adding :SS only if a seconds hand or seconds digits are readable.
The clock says 10:49
